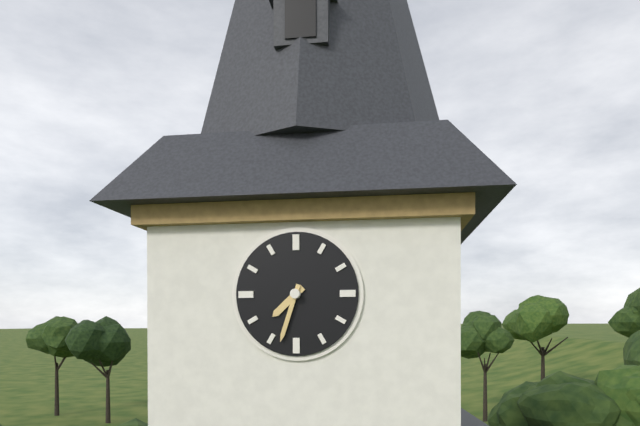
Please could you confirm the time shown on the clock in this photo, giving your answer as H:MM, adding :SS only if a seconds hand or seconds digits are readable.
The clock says 7:33
